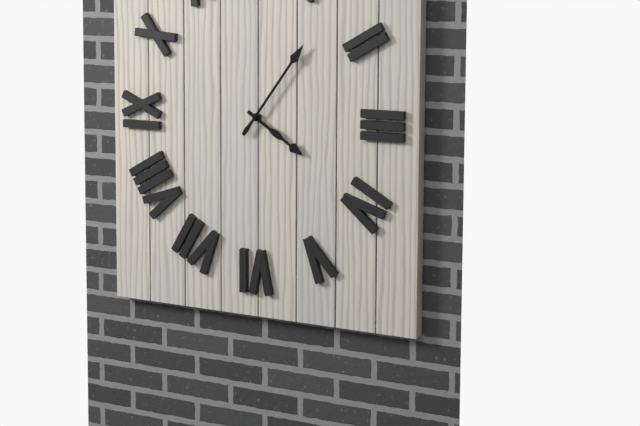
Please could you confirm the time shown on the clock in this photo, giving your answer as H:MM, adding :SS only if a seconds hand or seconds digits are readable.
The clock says 4:06
